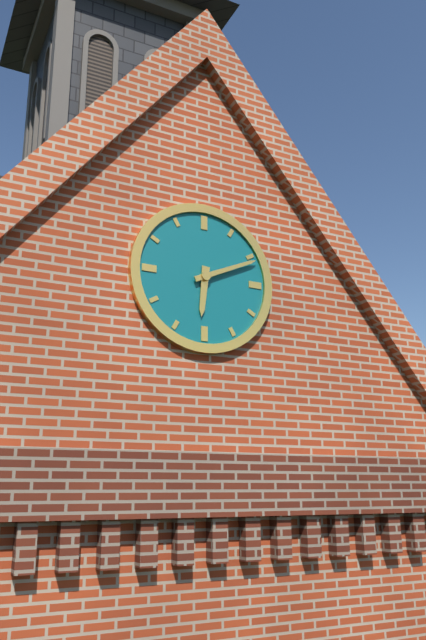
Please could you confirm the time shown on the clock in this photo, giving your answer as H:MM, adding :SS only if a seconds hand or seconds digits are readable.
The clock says 6:11
